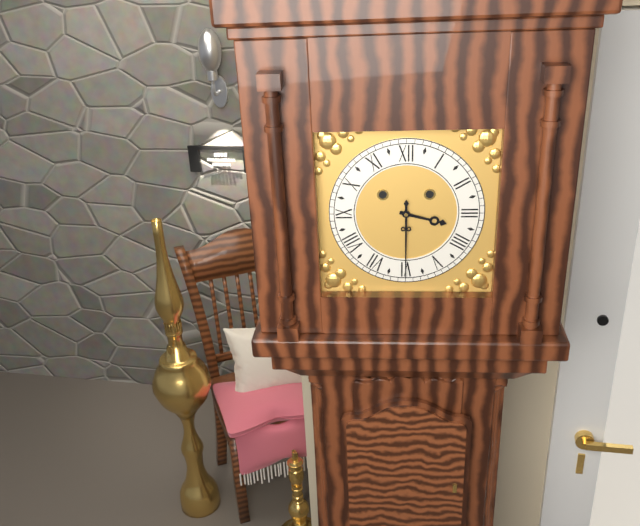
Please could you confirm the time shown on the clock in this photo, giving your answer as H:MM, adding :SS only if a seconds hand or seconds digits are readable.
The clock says 3:30
